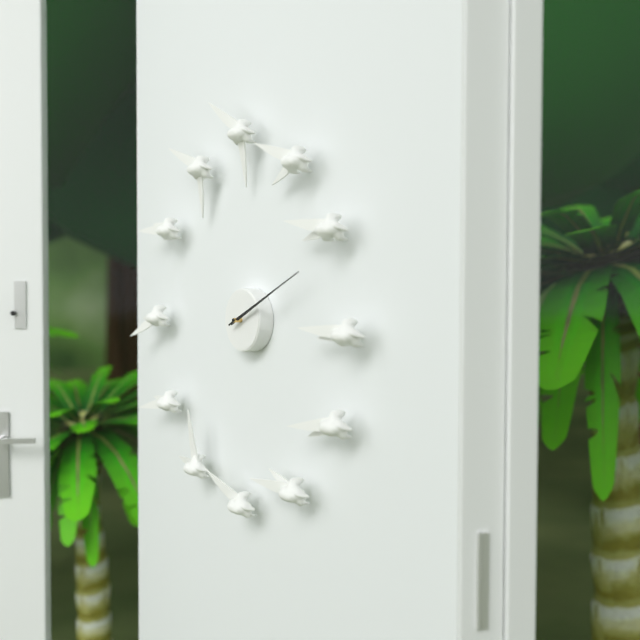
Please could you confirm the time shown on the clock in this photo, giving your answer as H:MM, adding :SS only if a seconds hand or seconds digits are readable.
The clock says 2:11
